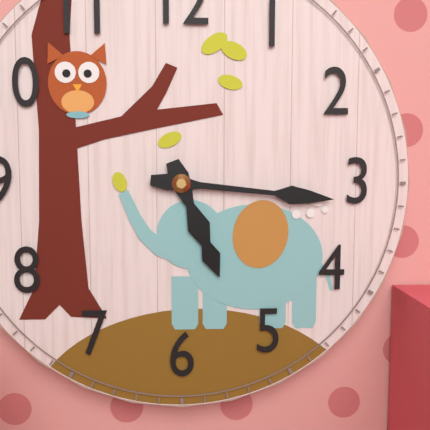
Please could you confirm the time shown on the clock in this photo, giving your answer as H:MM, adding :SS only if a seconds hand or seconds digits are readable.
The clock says 5:16
